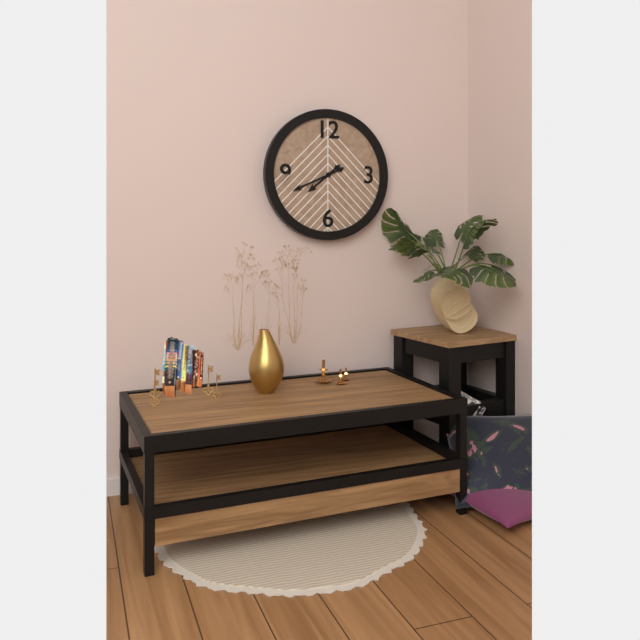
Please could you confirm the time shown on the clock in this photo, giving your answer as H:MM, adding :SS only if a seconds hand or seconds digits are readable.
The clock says 7:41
